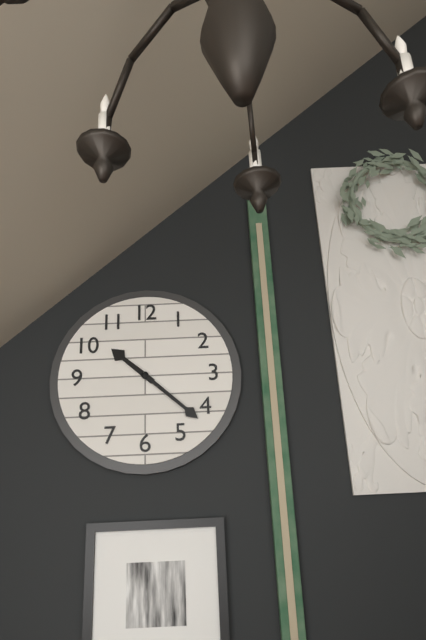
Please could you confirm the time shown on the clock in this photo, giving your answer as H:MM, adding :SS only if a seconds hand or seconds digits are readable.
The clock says 10:22
